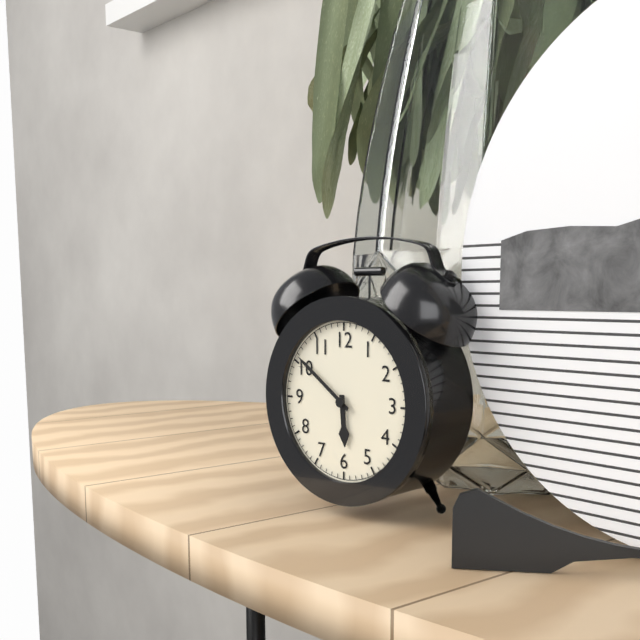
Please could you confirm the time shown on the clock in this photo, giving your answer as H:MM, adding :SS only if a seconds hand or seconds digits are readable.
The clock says 5:51
